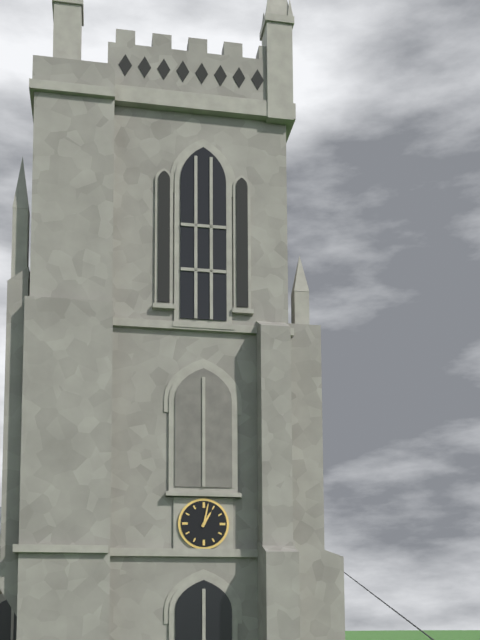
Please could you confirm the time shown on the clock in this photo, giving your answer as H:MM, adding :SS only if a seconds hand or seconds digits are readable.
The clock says 1:02
